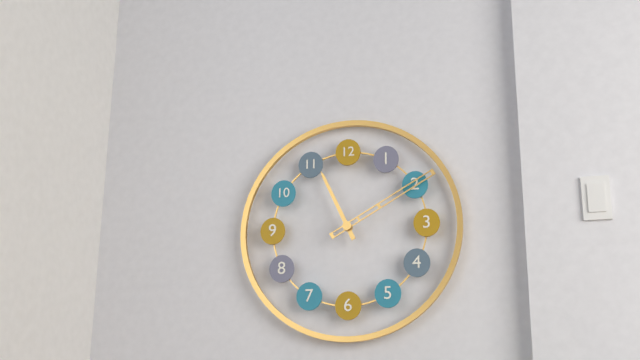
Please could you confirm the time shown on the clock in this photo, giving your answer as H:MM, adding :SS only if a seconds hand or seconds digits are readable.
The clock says 11:10
